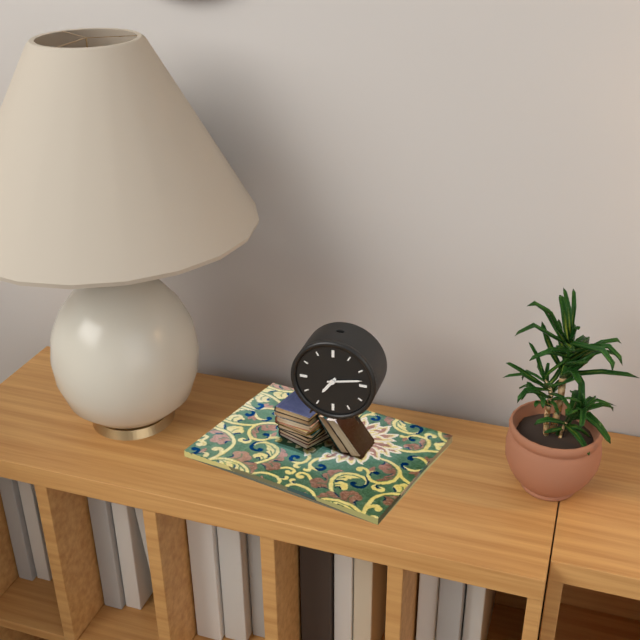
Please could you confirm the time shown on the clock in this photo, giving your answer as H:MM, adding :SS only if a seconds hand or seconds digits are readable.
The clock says 7:13
